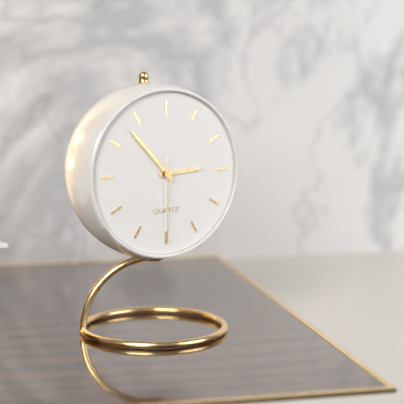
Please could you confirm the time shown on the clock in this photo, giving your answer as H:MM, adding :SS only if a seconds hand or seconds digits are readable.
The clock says 2:53:30
